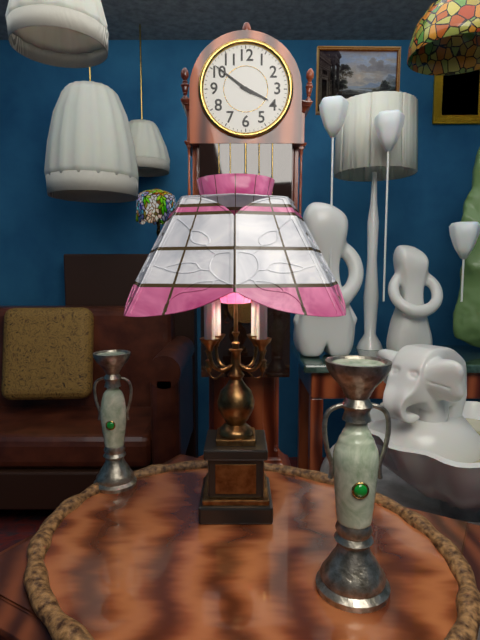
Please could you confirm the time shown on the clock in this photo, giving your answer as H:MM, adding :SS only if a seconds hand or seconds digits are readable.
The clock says 3:51
